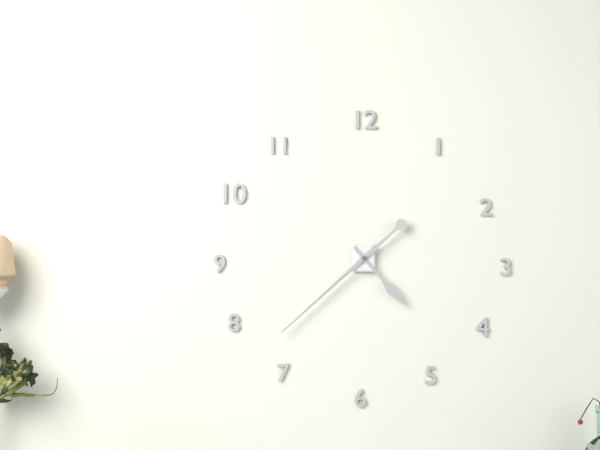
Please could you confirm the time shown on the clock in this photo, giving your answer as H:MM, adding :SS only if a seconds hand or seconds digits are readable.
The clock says 4:38
